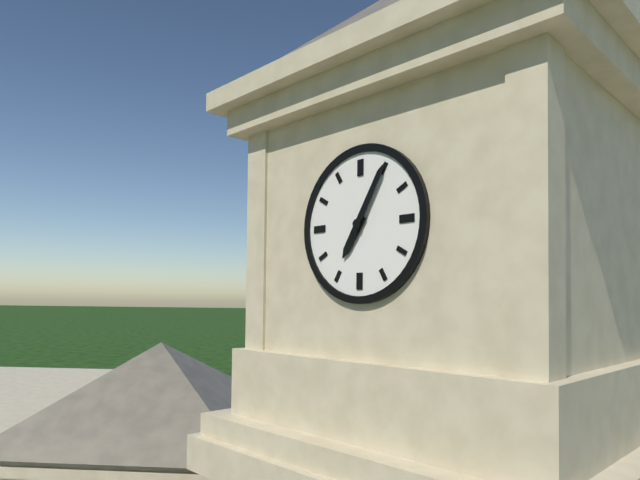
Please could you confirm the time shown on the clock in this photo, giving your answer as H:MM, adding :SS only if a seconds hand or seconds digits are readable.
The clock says 7:05
